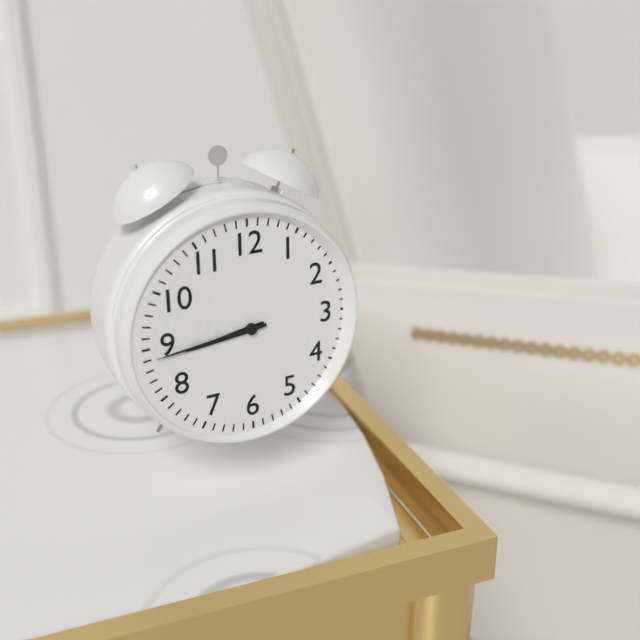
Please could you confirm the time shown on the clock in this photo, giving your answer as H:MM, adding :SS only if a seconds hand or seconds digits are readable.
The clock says 8:44
